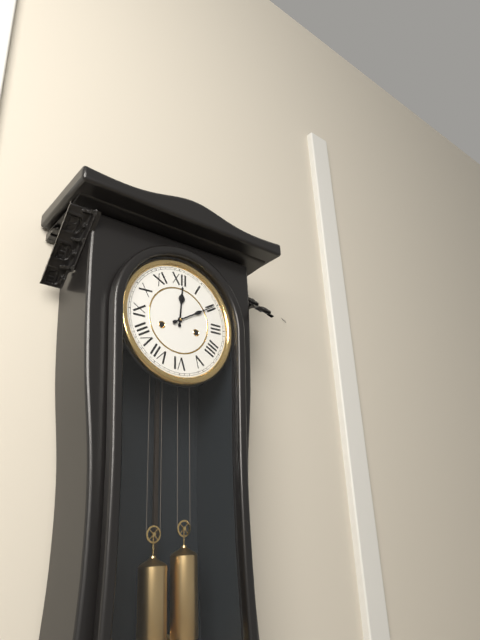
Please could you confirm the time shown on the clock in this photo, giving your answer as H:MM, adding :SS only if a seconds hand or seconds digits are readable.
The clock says 12:10
